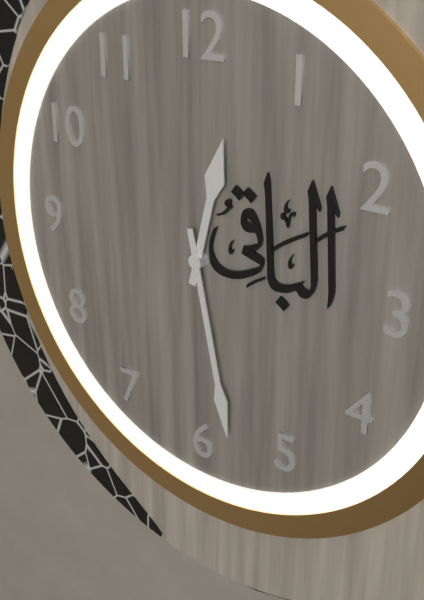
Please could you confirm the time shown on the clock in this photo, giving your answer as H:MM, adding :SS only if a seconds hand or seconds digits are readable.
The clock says 12:28
